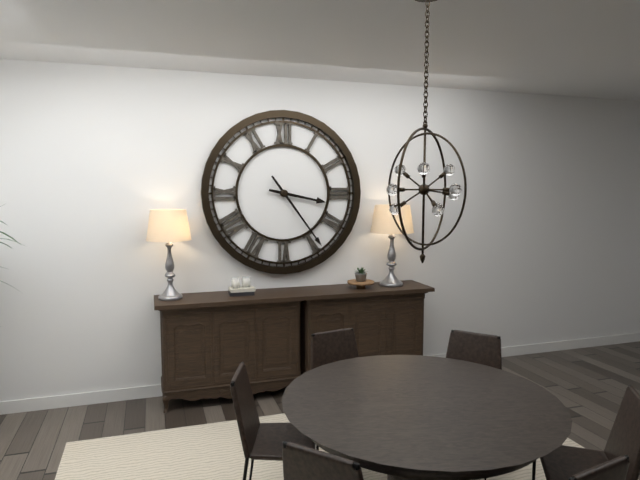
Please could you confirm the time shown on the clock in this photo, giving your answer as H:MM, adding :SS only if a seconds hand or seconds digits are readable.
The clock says 3:24
